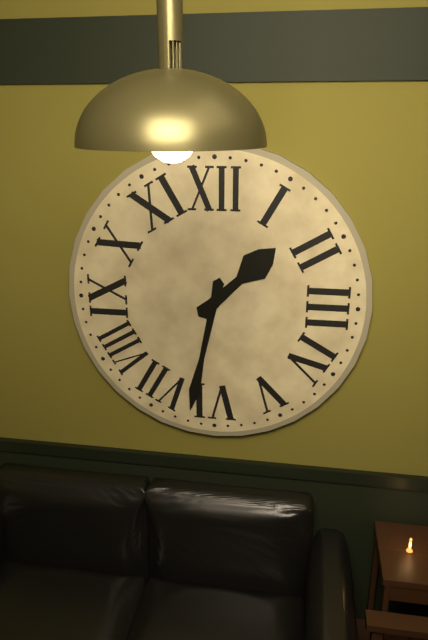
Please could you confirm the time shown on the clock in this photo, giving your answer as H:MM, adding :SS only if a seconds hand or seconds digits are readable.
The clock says 1:32
